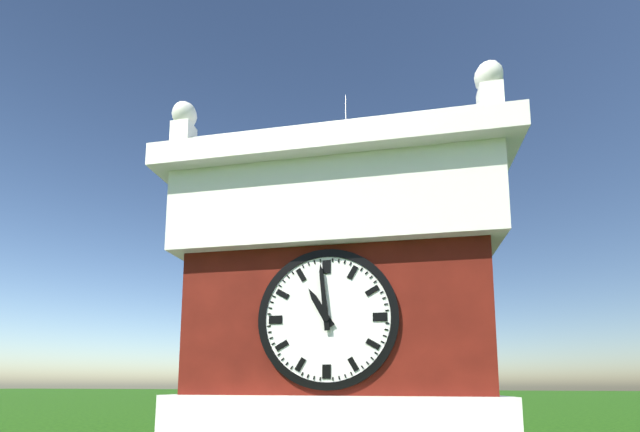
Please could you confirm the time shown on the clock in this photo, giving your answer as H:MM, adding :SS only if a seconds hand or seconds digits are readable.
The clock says 10:59
